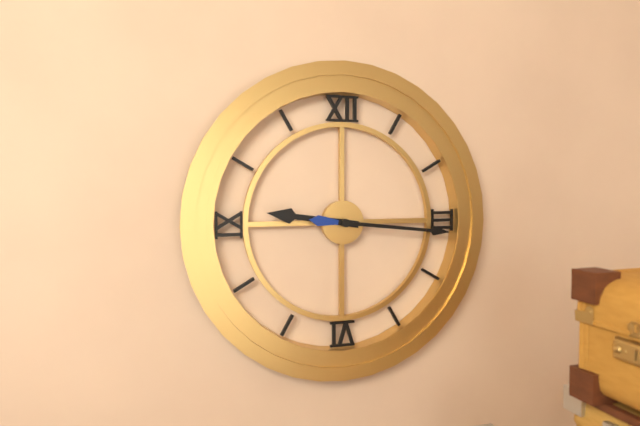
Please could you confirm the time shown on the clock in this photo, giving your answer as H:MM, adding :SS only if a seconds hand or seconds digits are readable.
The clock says 9:16
